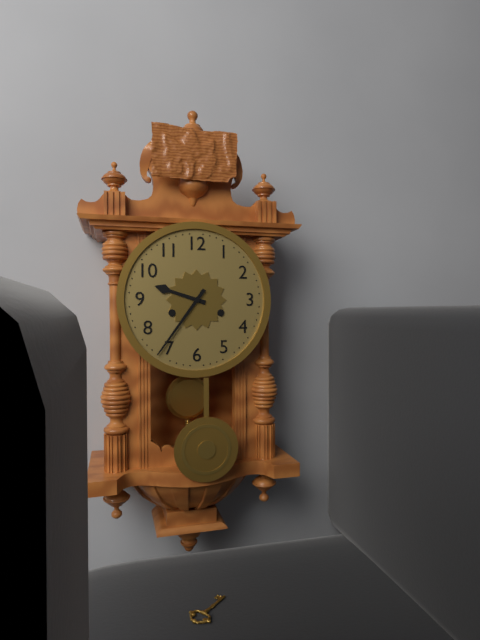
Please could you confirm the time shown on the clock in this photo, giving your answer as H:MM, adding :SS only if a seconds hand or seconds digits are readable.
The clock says 9:36
